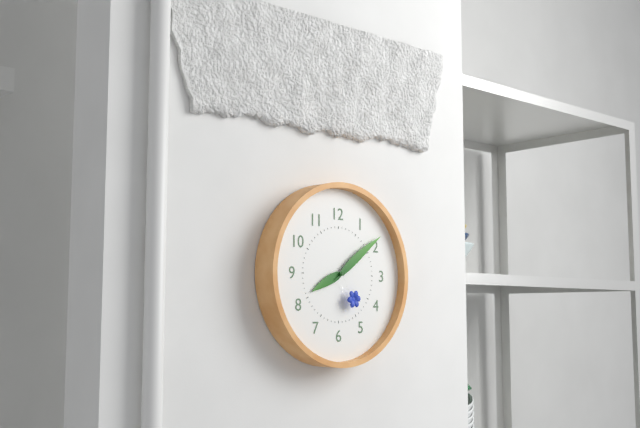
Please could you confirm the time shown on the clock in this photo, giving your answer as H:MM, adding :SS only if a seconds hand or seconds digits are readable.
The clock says 8:09:25
